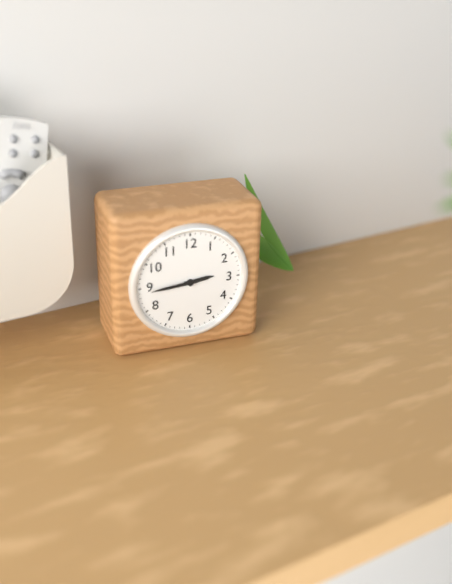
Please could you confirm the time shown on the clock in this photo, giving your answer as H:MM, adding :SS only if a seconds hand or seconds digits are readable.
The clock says 2:44
